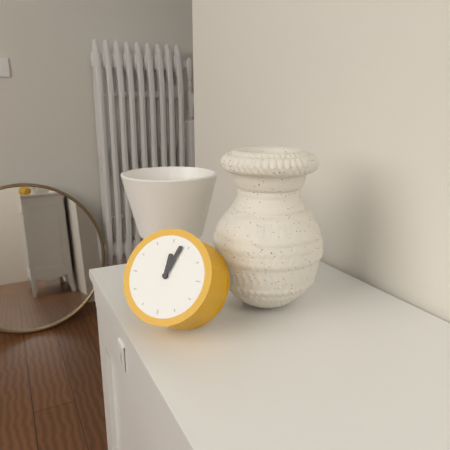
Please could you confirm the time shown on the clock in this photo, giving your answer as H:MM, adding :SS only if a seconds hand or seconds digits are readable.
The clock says 12:03
